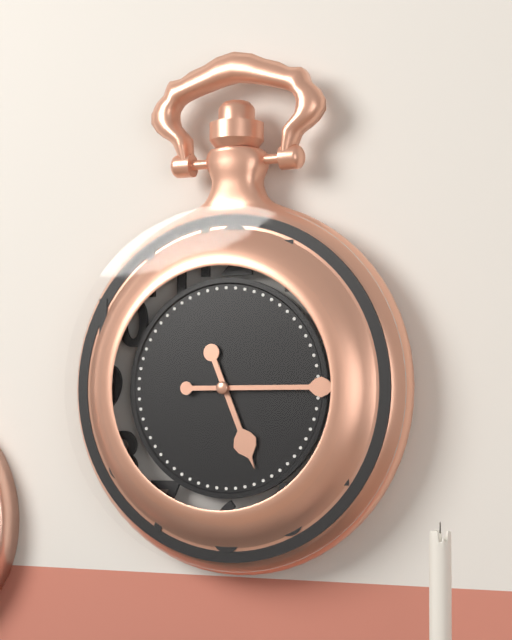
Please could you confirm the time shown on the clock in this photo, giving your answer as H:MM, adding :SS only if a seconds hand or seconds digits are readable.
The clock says 5:15
